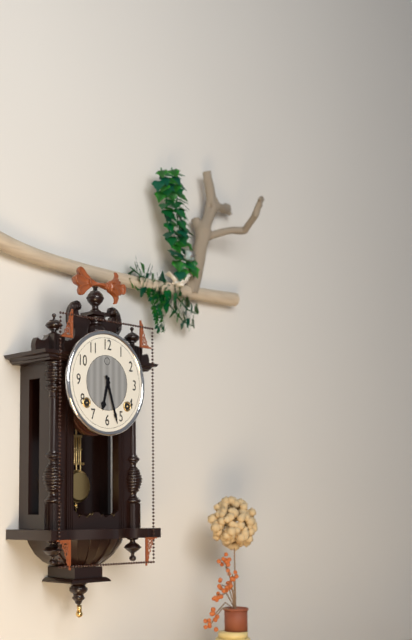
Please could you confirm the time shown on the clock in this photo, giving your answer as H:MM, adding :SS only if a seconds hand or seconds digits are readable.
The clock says 6:27
